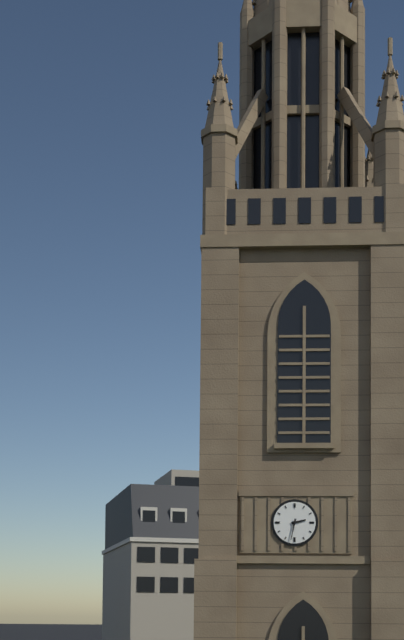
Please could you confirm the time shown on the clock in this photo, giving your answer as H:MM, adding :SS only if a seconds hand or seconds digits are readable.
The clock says 2:32
